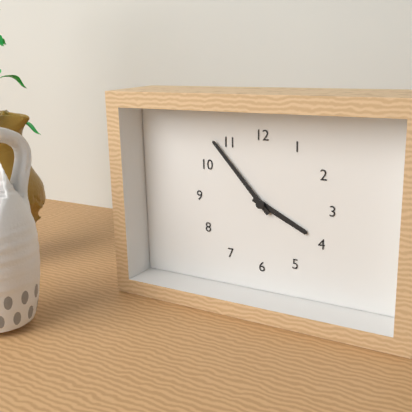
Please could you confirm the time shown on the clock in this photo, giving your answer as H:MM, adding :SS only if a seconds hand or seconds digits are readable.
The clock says 3:53
